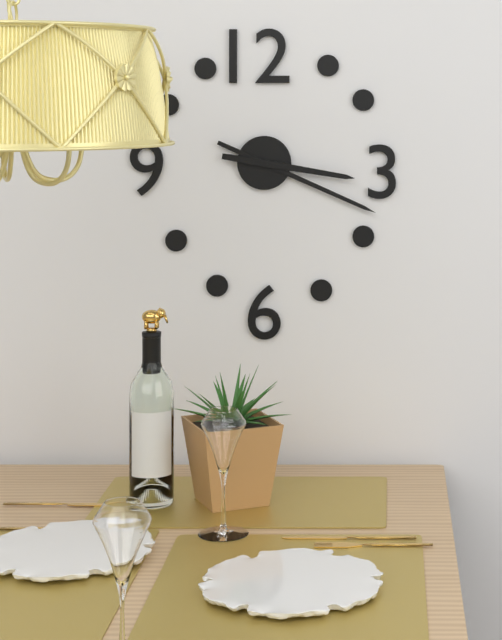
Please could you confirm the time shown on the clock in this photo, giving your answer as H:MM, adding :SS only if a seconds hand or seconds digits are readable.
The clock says 3:19
